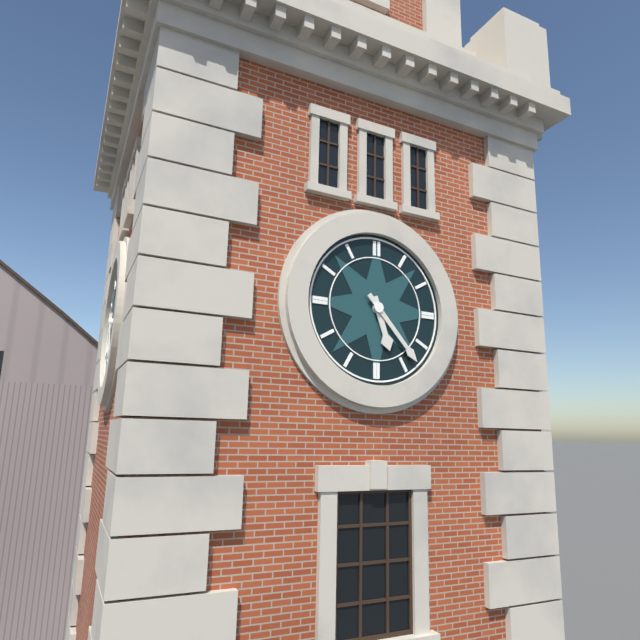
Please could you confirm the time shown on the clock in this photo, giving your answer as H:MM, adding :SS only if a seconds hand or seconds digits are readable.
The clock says 5:23
